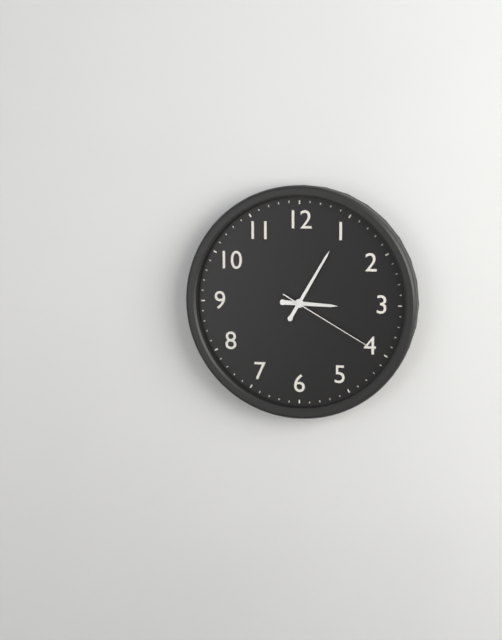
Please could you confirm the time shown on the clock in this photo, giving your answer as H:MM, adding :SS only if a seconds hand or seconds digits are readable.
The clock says 3:05:20
